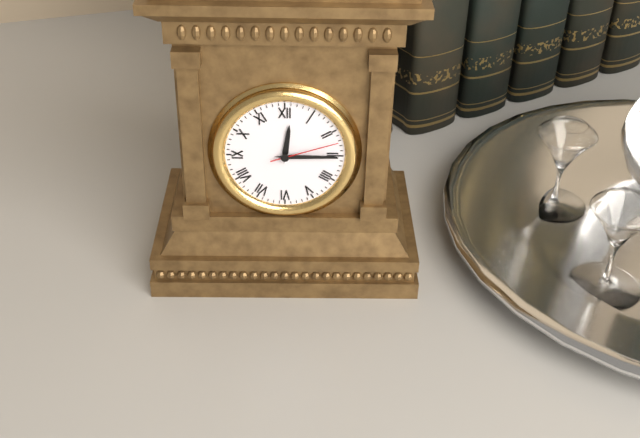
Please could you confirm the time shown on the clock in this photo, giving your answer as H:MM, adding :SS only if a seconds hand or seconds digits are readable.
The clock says 12:15:12
